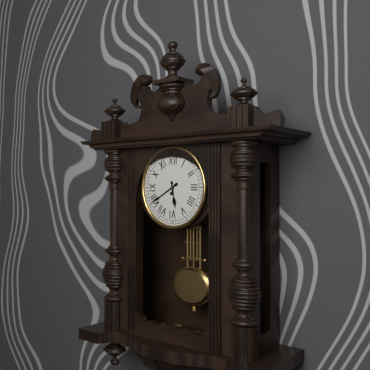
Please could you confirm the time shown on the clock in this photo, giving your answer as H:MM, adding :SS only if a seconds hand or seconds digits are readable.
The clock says 5:40
